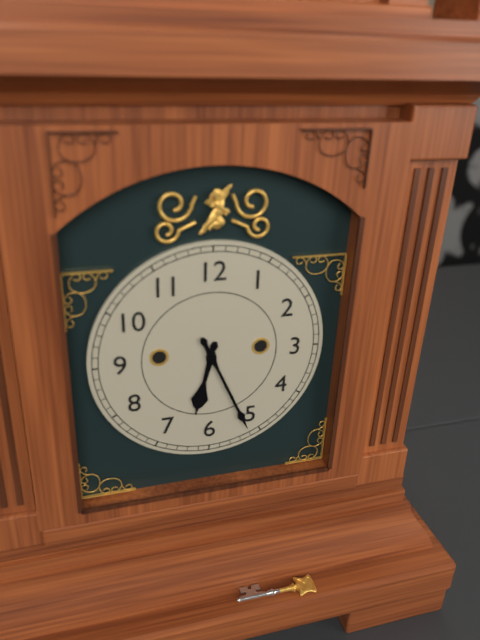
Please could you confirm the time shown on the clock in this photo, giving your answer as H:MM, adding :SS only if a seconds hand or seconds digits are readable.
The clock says 6:26
